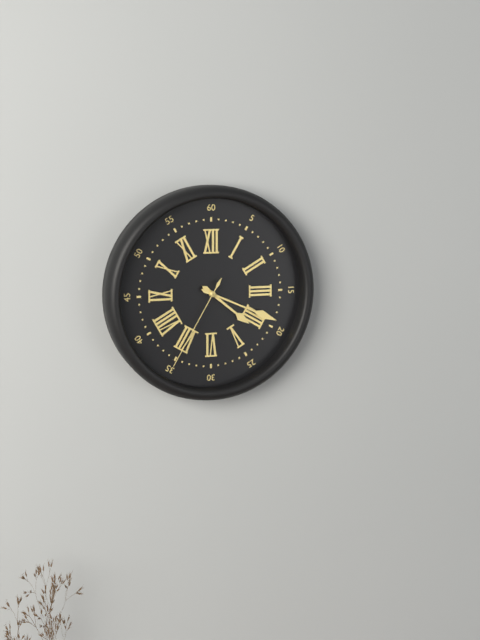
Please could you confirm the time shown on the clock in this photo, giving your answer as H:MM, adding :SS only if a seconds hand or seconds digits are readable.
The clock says 4:19:35
